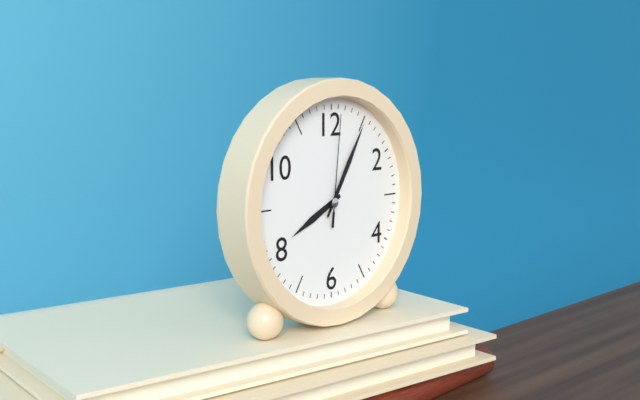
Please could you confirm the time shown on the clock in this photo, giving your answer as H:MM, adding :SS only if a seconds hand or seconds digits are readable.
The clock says 8:05:01
